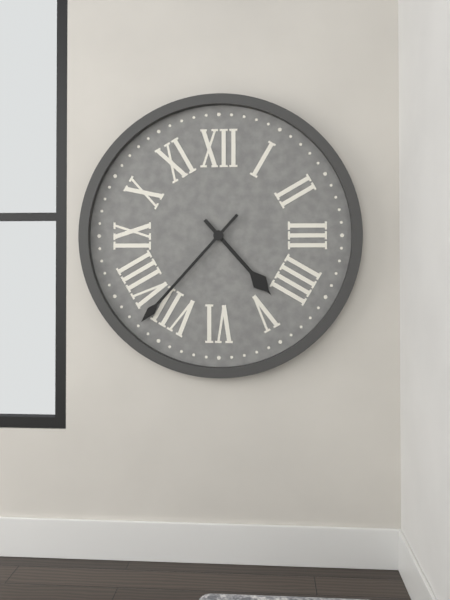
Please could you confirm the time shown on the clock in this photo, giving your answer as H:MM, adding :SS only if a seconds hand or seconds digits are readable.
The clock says 4:37
